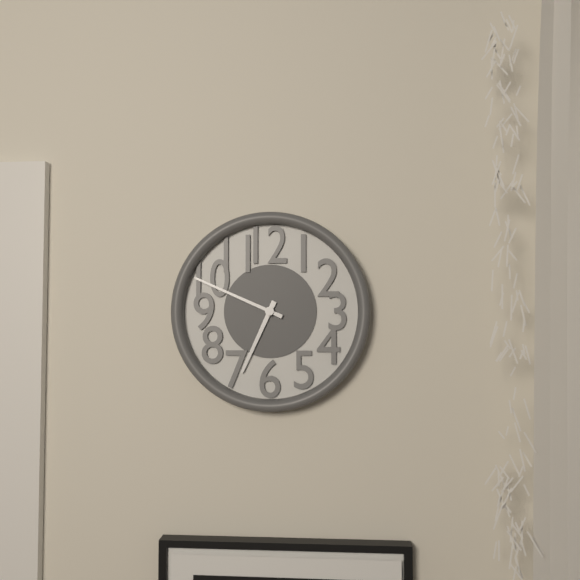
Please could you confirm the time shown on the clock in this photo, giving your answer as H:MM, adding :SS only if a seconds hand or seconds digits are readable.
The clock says 6:49
